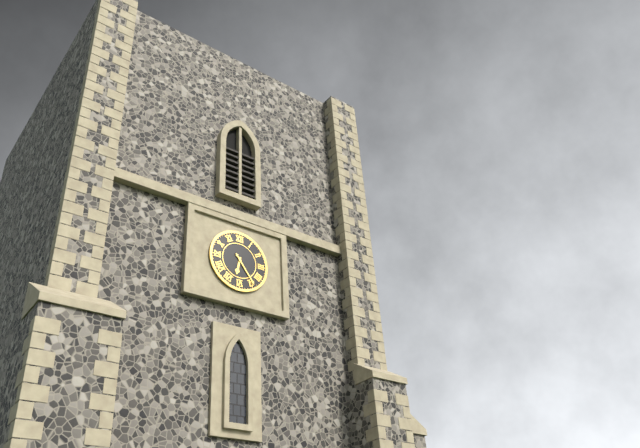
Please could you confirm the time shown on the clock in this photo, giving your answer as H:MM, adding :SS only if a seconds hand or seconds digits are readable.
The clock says 6:24
